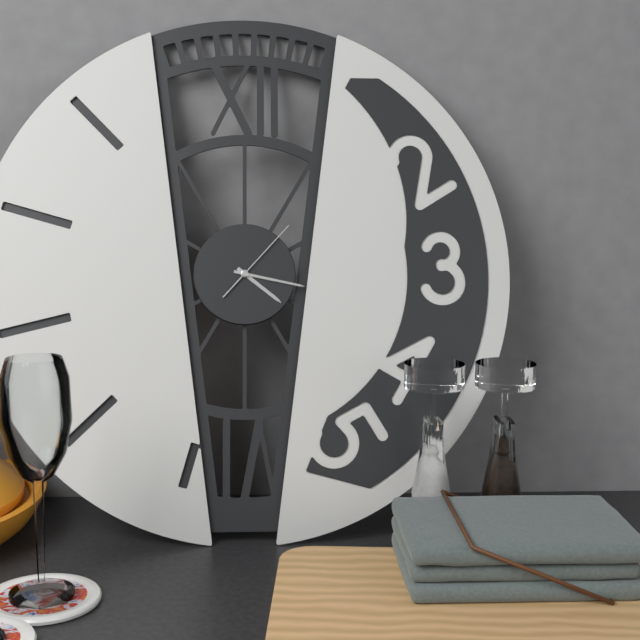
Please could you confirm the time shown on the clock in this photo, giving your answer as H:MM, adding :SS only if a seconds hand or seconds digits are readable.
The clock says 4:17:07
